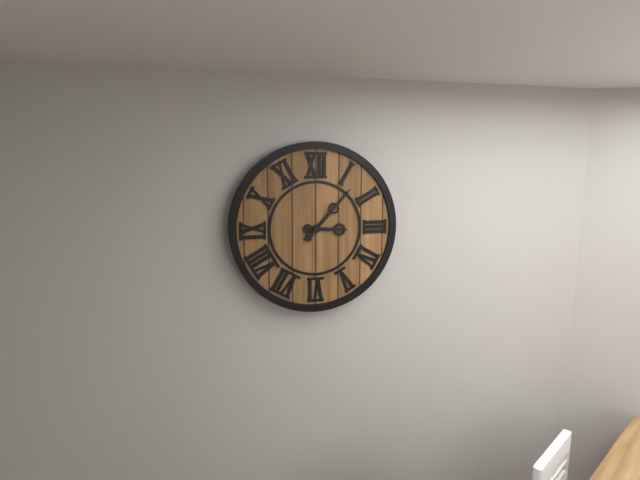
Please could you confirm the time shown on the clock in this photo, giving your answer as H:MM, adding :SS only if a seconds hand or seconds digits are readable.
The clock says 3:07
